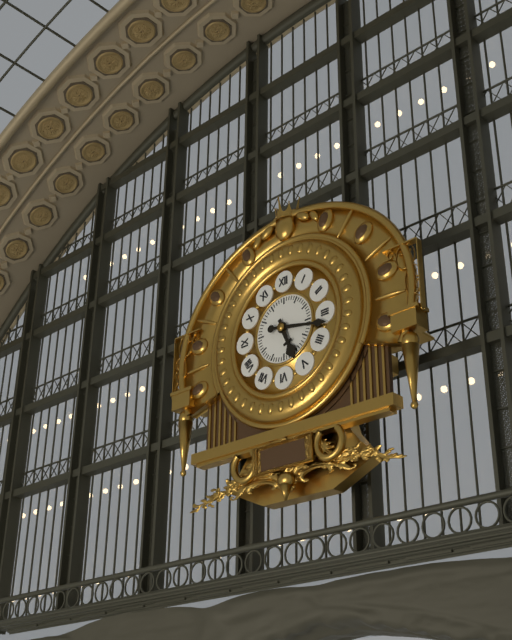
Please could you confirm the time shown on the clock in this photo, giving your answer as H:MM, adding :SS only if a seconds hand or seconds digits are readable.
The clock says 5:17
